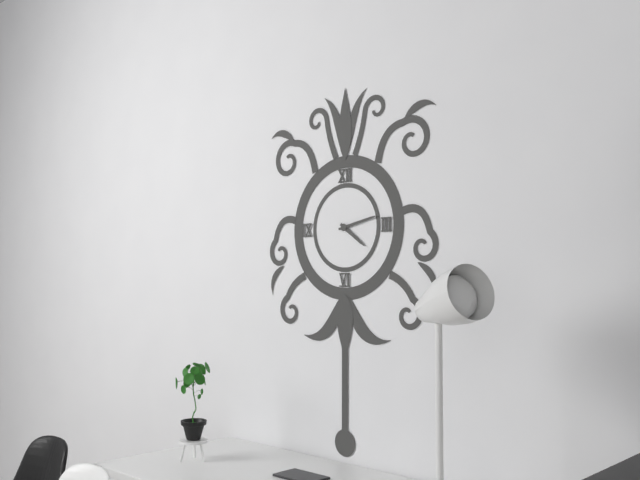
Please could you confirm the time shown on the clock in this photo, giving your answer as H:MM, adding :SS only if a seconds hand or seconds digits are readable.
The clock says 4:13
